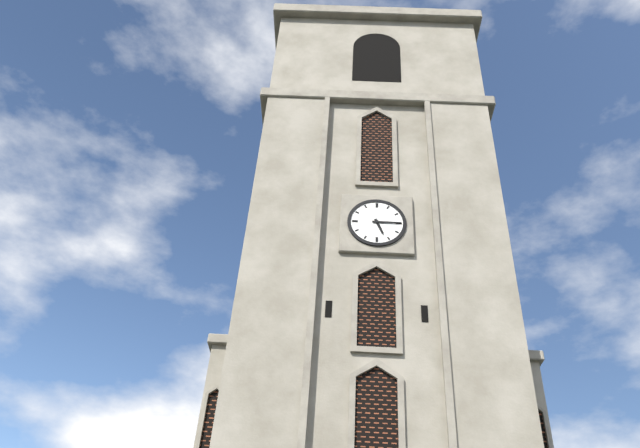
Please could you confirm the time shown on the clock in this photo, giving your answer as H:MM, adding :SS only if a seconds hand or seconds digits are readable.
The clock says 5:15
